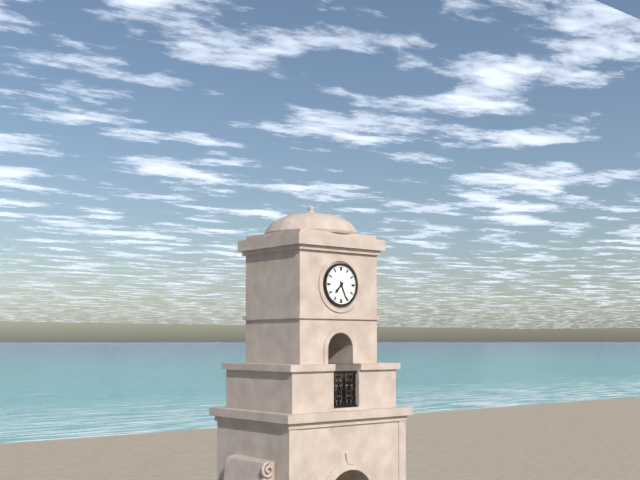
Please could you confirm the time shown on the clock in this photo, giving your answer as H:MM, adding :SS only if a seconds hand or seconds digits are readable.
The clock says 7:26
